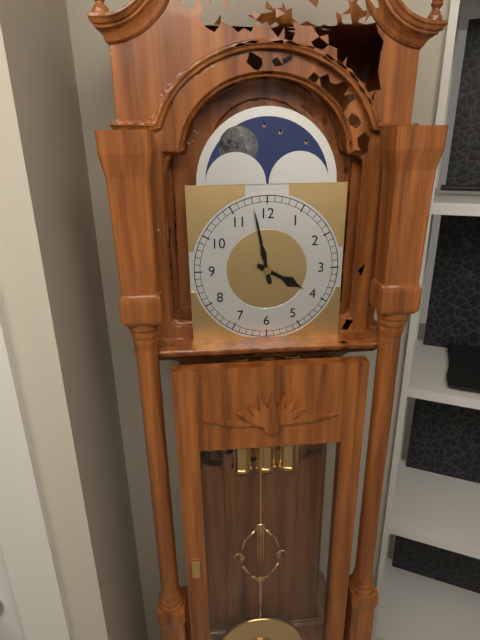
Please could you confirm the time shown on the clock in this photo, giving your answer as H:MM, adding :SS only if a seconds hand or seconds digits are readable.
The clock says 3:58
